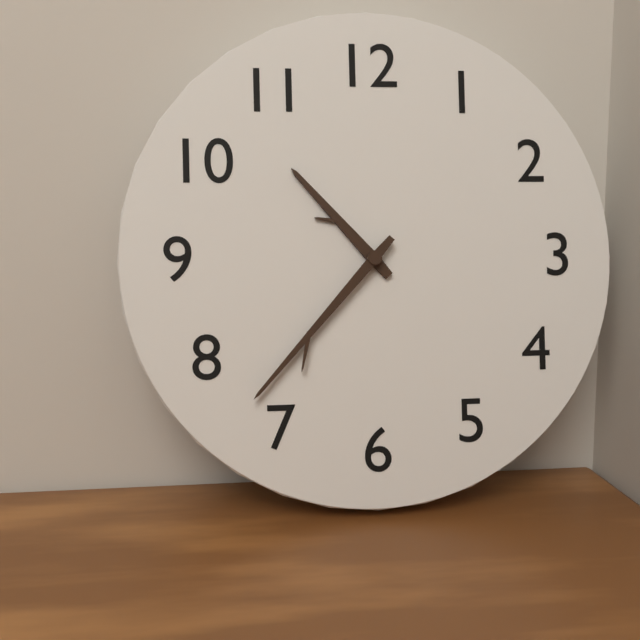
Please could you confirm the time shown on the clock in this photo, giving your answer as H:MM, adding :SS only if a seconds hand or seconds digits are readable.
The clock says 10:37
